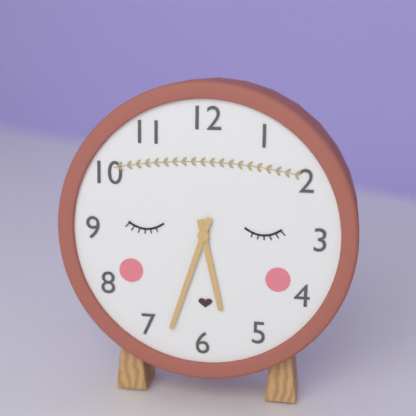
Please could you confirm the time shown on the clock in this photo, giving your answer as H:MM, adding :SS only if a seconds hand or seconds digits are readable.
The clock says 5:33
